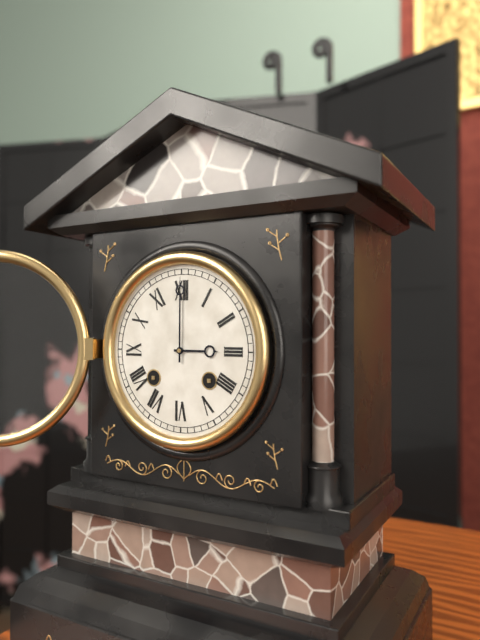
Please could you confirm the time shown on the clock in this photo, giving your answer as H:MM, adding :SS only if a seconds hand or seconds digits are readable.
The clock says 3:00
